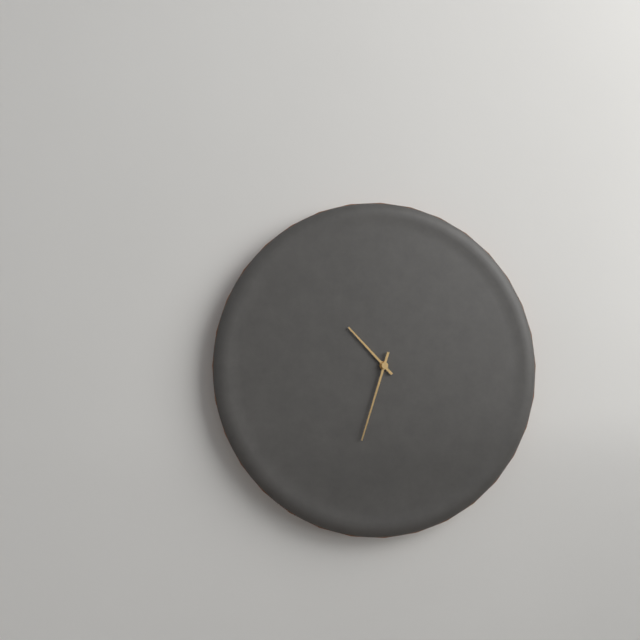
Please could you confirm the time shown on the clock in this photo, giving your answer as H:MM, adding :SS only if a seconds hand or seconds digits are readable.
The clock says 10:33
